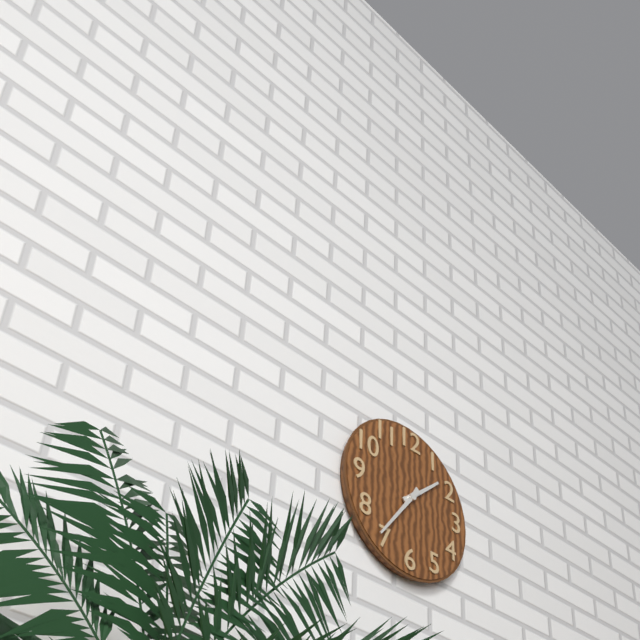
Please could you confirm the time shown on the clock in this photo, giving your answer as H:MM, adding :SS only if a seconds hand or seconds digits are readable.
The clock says 1:36
